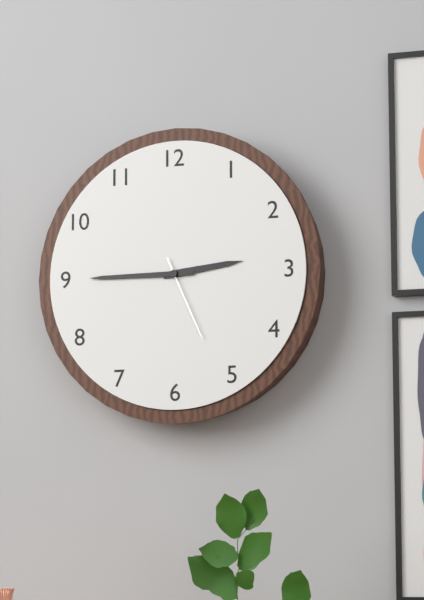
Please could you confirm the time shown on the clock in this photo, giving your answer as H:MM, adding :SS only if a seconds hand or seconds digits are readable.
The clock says 2:45:26
